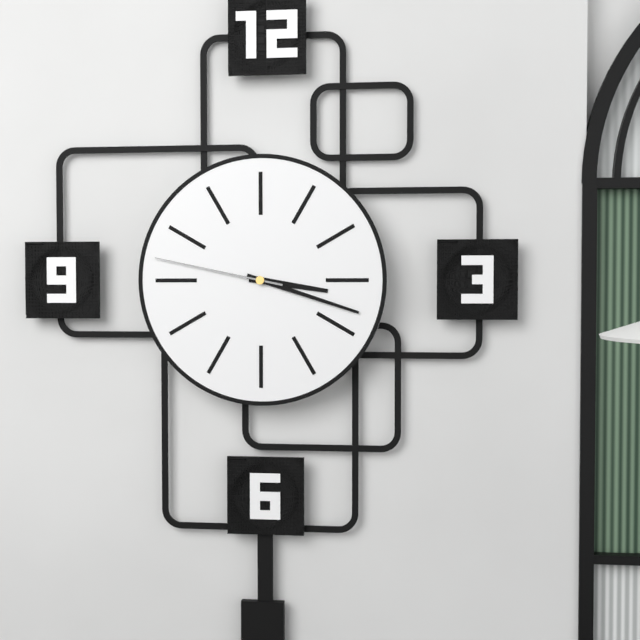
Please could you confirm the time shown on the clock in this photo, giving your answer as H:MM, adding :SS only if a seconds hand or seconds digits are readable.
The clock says 3:18:47
